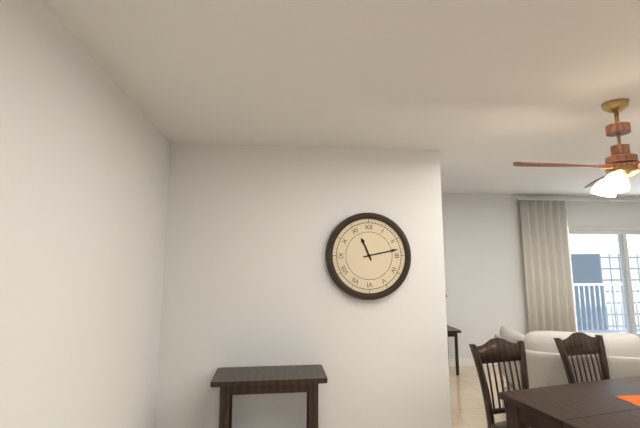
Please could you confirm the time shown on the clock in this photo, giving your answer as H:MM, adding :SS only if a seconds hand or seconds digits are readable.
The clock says 11:13
